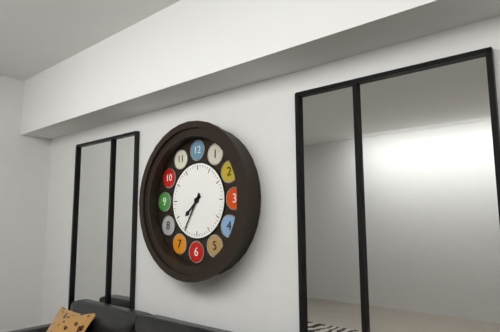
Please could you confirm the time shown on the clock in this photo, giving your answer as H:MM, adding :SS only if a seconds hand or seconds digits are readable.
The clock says 7:35
